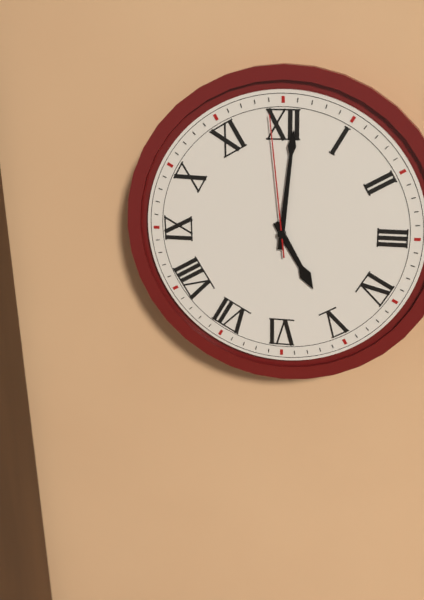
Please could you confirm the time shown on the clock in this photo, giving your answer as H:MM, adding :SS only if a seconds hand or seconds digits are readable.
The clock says 5:01:59
